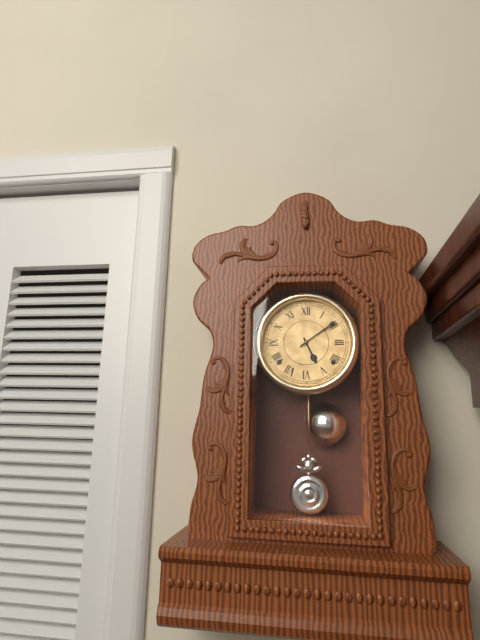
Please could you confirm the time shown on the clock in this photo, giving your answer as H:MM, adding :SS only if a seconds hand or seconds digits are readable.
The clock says 5:09
